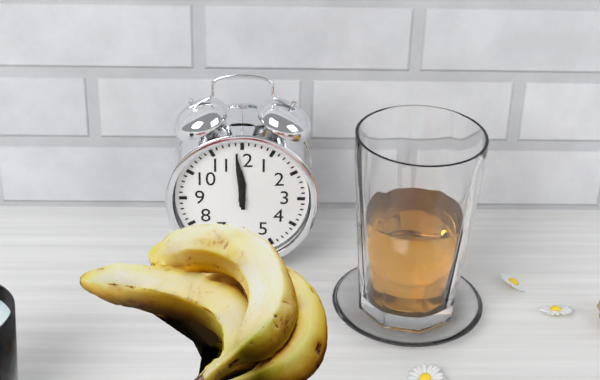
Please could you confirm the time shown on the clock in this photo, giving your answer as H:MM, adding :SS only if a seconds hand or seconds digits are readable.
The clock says 11:59
